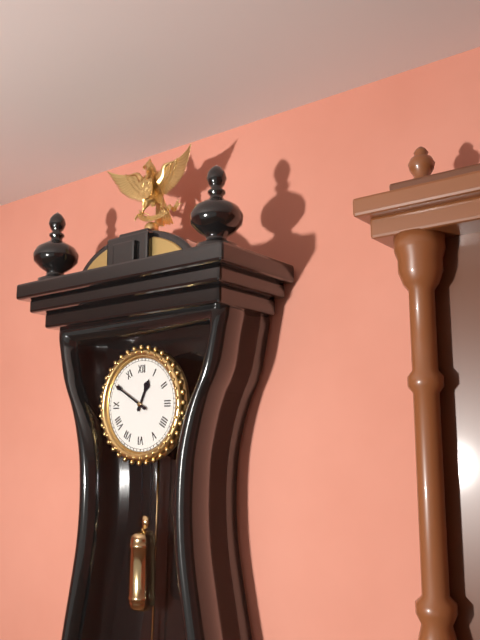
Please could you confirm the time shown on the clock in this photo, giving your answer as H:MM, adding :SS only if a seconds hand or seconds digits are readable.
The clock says 12:50
